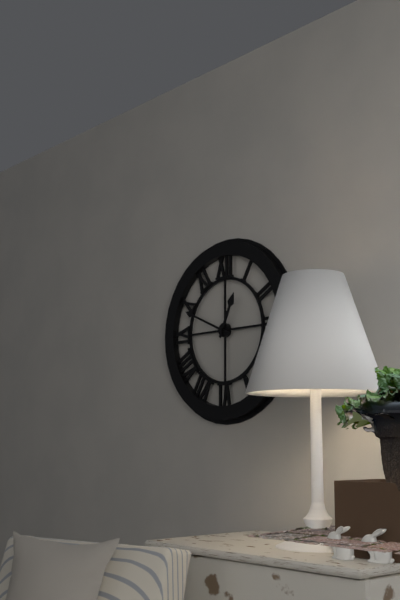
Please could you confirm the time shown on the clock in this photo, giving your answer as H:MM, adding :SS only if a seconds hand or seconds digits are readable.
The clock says 12:49
